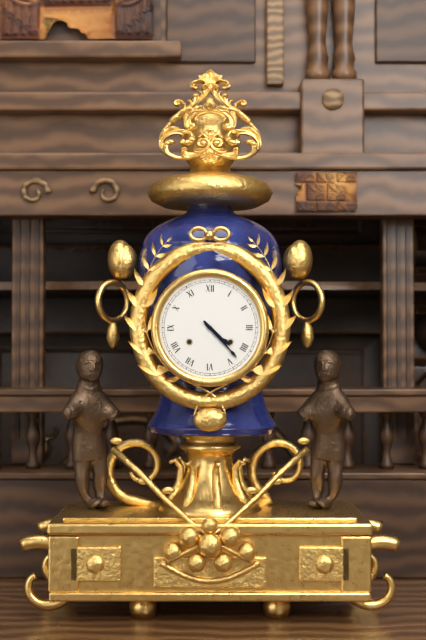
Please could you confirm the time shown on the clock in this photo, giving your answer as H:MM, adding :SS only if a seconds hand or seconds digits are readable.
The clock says 4:23
